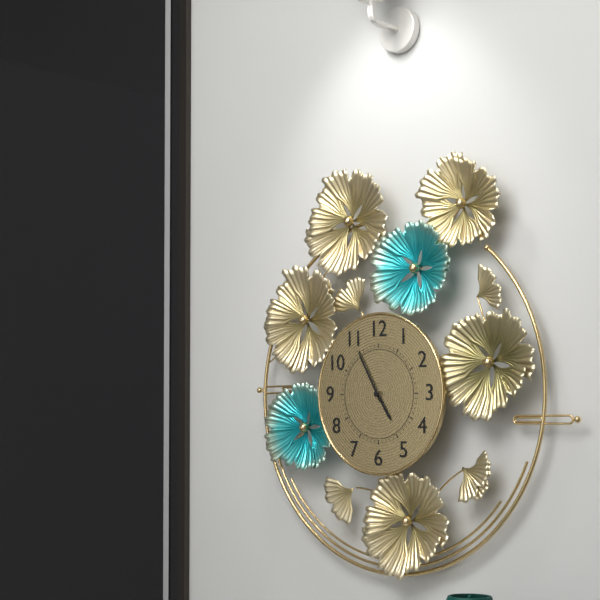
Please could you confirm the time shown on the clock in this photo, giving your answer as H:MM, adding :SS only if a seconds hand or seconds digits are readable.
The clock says 4:55
